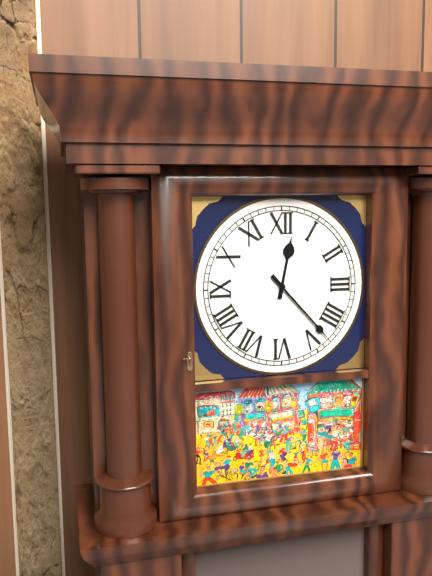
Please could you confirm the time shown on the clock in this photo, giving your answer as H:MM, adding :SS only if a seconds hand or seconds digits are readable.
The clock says 12:23
